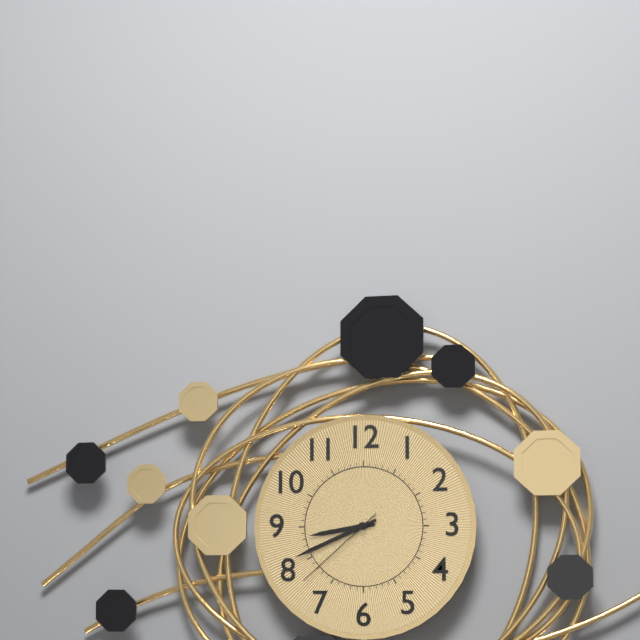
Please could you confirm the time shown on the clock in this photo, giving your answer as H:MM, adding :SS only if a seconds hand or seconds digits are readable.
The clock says 8:41:38
